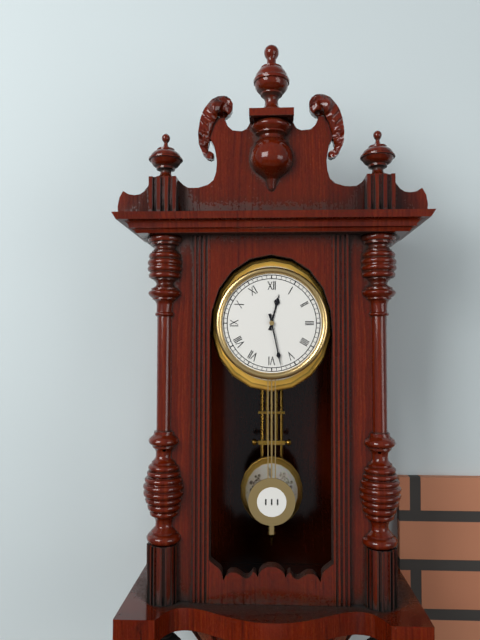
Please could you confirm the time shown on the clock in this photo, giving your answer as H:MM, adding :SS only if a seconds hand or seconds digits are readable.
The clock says 12:28
